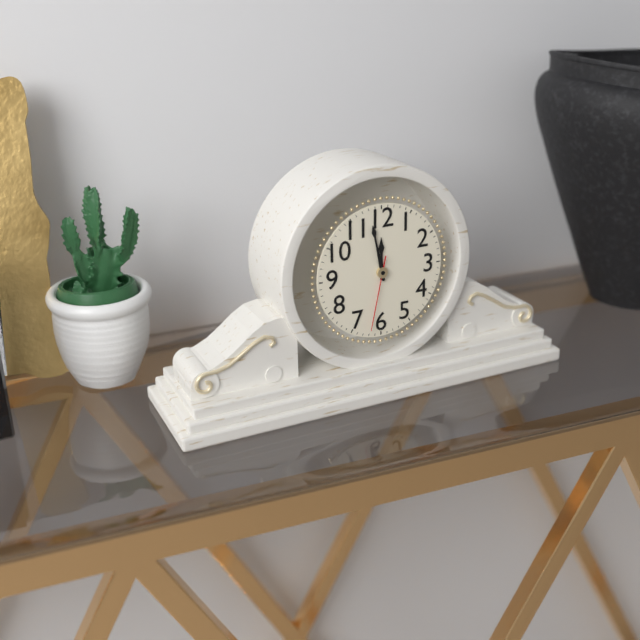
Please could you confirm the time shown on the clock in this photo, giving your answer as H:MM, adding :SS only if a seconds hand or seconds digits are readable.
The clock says 11:58:32
